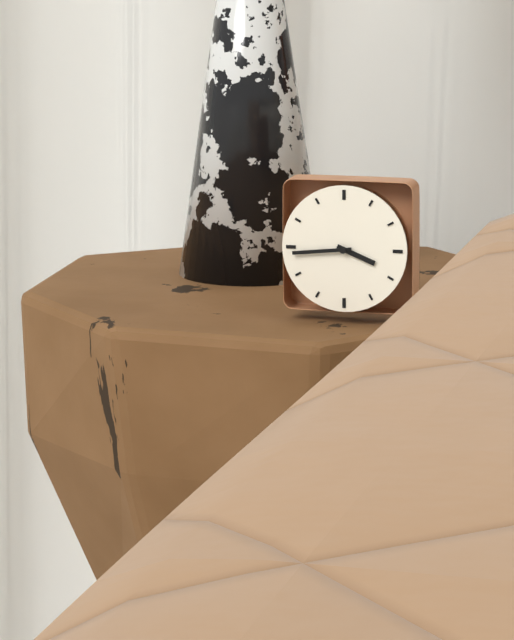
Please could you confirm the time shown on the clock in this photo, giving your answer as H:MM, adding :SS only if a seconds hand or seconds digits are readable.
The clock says 3:44
